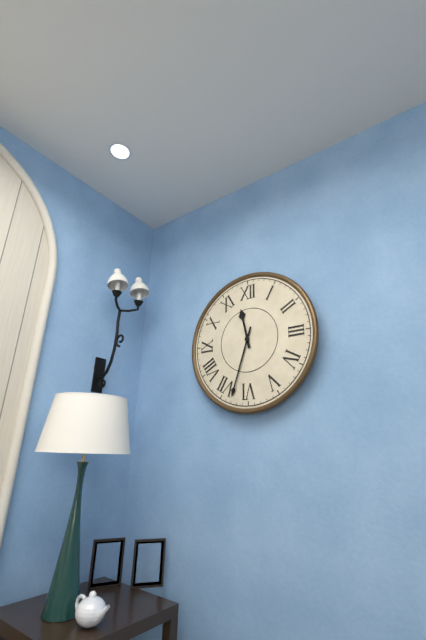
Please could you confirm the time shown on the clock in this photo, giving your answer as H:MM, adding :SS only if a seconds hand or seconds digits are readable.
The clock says 11:33
